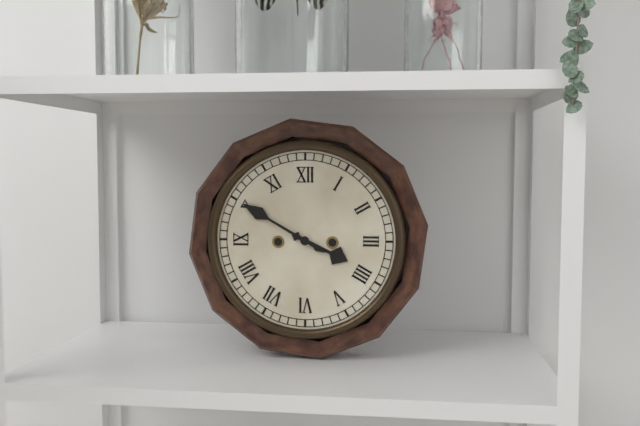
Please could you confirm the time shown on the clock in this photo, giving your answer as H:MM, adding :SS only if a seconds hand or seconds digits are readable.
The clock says 3:50
